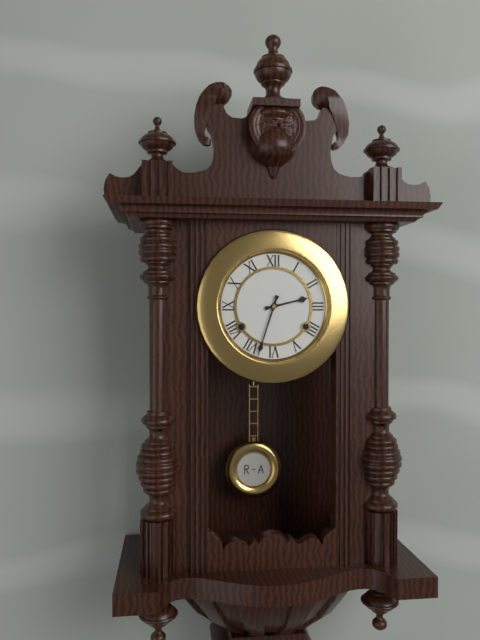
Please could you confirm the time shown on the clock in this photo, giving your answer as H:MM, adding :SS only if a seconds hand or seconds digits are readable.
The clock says 2:33
